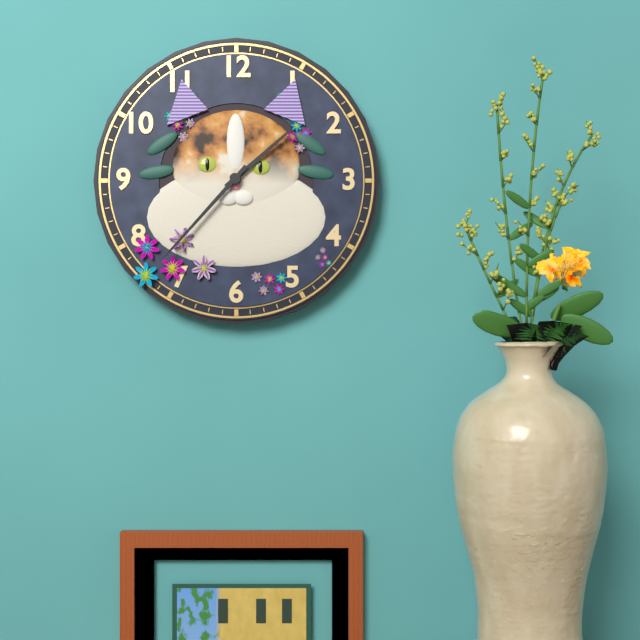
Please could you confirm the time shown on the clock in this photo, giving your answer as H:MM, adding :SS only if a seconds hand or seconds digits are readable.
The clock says 1:37
